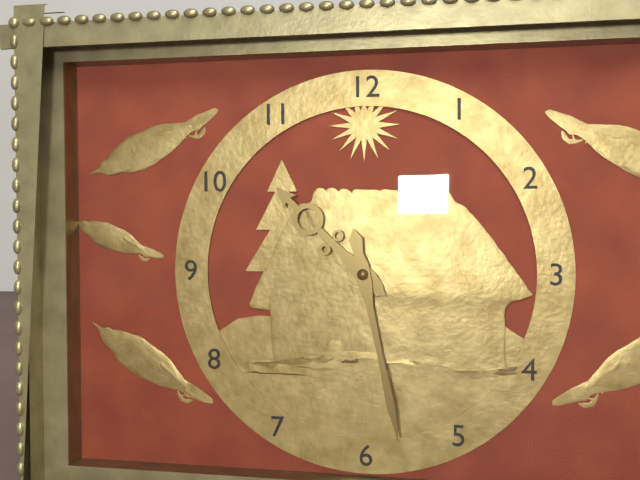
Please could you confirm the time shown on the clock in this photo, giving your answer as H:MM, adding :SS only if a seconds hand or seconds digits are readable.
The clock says 10:28
